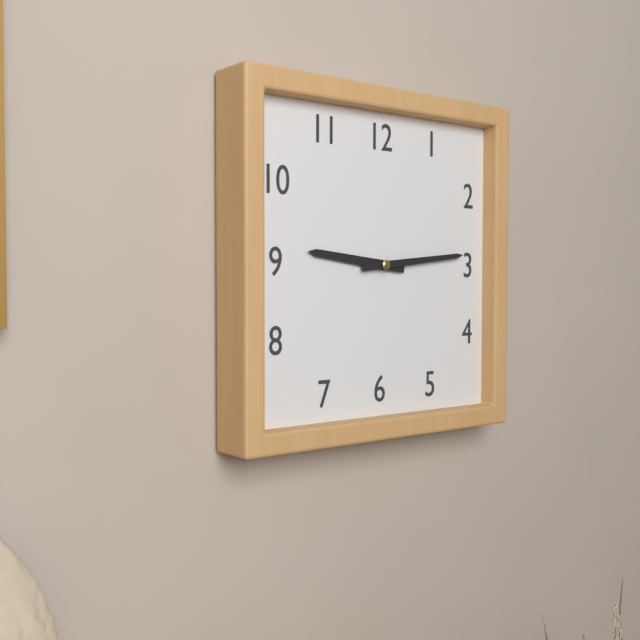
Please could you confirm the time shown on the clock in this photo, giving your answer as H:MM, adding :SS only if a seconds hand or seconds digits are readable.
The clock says 9:14
